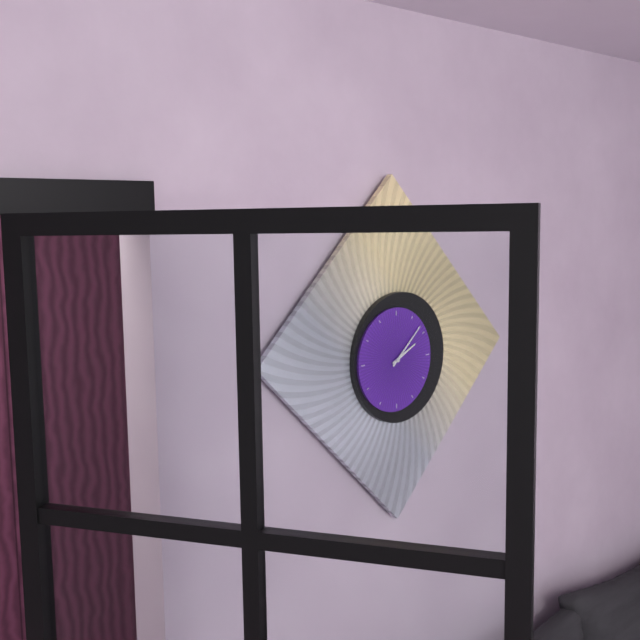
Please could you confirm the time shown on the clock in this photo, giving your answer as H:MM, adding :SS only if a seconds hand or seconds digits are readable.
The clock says 2:08
